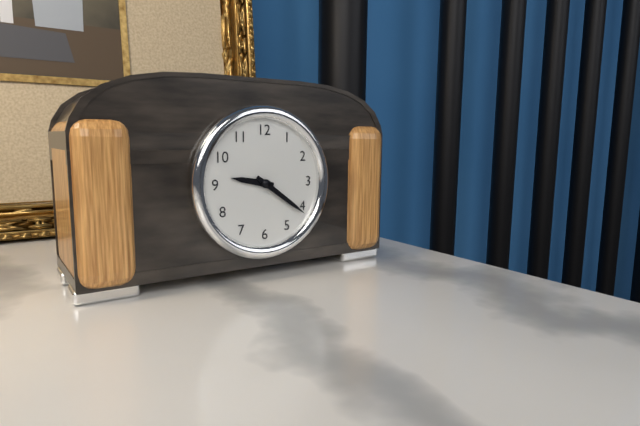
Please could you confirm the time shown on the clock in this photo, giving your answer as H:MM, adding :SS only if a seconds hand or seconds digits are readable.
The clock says 9:21
